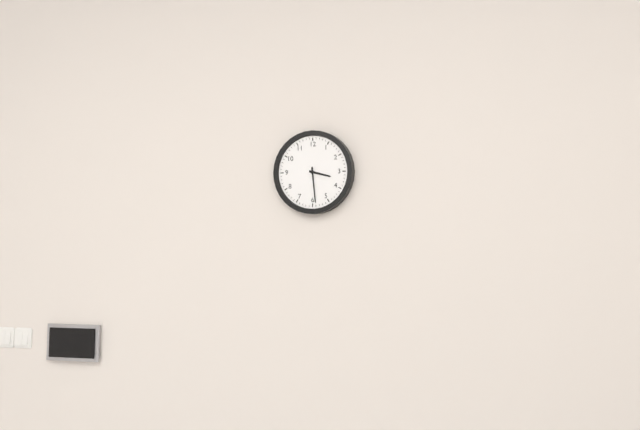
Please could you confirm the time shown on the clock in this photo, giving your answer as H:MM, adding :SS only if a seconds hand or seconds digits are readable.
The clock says 3:29
